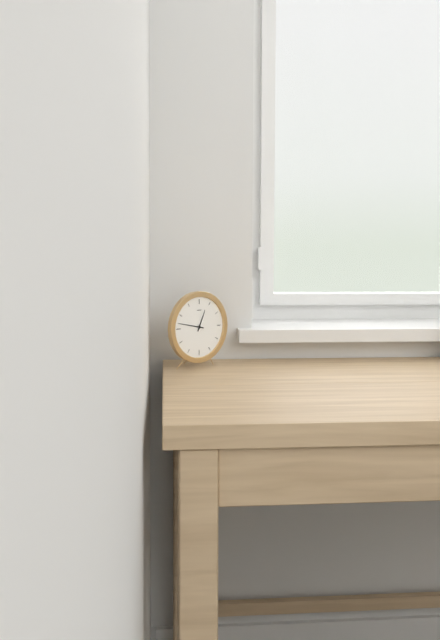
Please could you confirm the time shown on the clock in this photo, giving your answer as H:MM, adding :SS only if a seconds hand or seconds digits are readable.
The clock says 12:47
